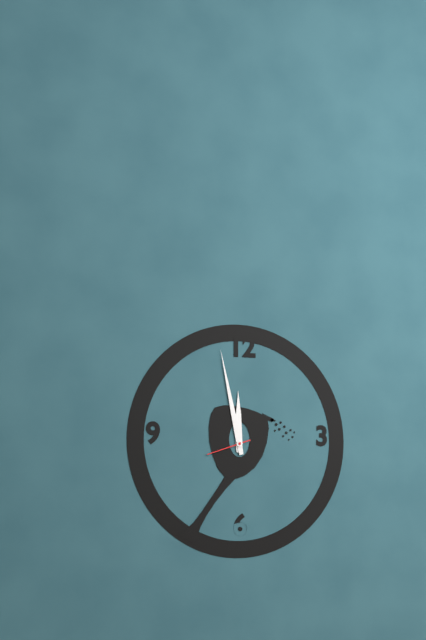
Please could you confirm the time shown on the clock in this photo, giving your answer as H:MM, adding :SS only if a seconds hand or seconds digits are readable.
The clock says 11:58
